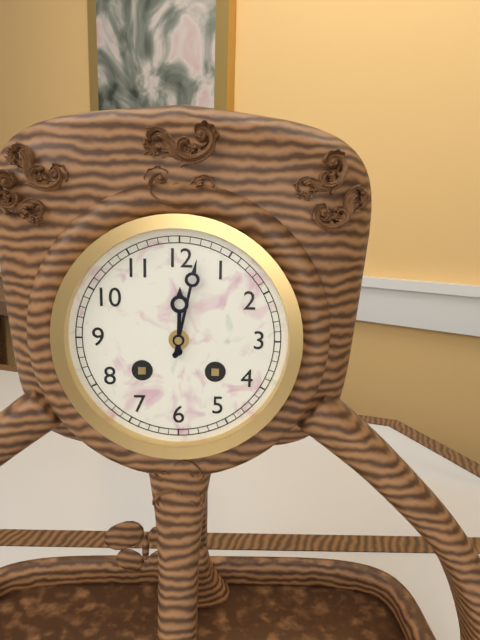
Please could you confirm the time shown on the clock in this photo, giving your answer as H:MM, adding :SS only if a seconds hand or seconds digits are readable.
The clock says 12:02
